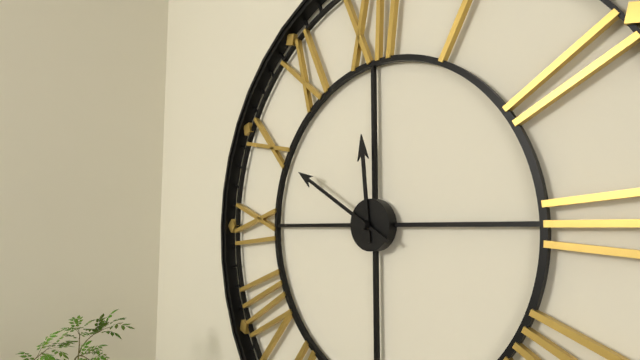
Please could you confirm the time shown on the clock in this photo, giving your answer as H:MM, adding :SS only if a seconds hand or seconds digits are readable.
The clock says 11:50
